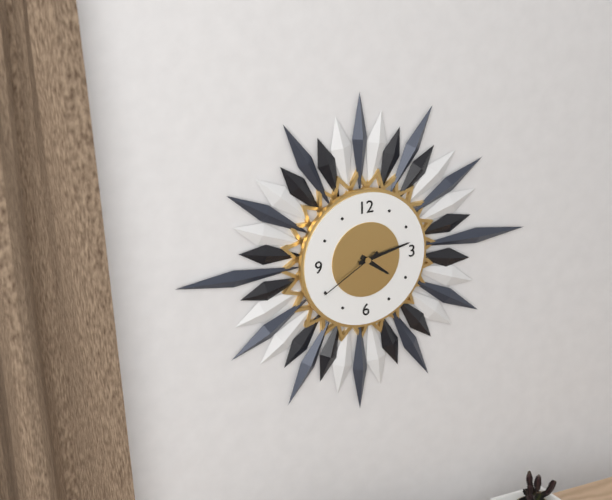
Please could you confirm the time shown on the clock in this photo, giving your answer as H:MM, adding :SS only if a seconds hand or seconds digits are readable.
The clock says 4:13:40
